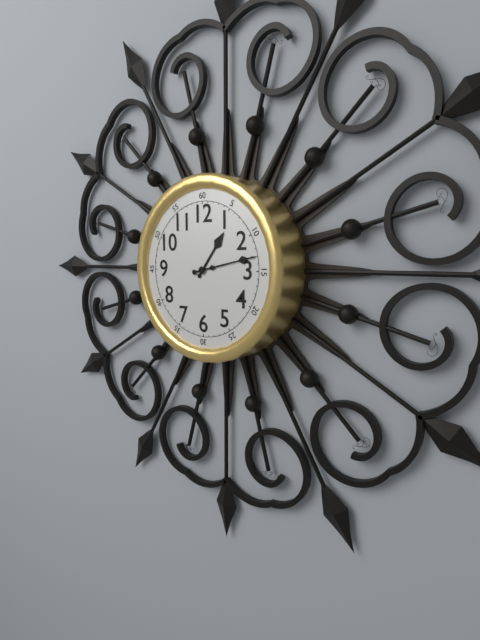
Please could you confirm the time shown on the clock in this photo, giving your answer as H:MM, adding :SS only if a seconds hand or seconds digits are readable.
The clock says 1:13
